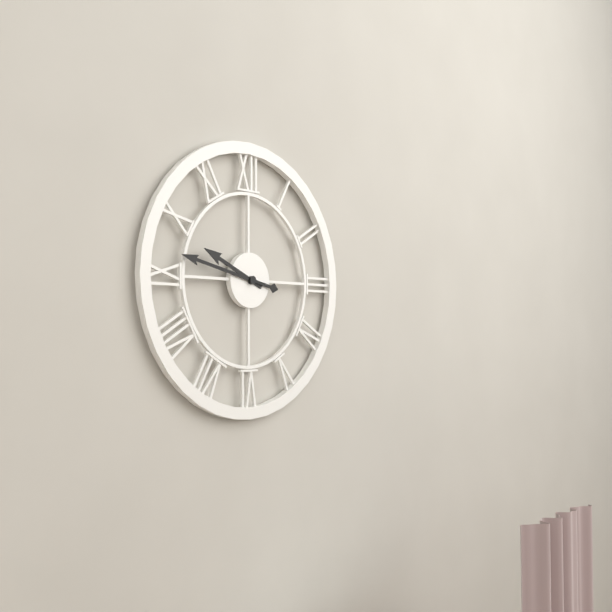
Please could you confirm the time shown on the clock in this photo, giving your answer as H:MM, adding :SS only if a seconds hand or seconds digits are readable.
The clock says 9:47
